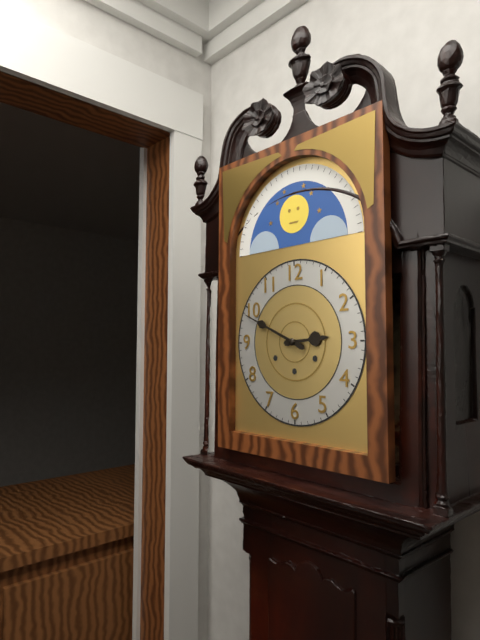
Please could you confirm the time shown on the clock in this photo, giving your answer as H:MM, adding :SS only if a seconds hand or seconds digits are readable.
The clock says 2:49
